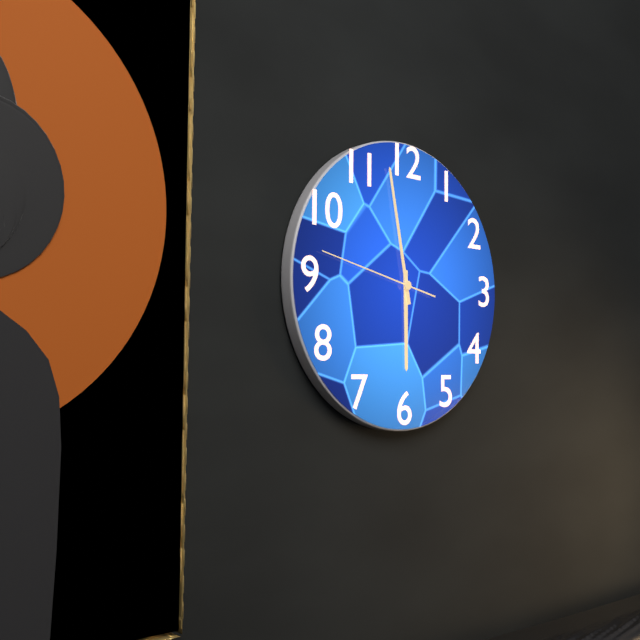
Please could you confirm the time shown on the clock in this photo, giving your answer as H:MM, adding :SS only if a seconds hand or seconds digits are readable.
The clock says 5:58:47
